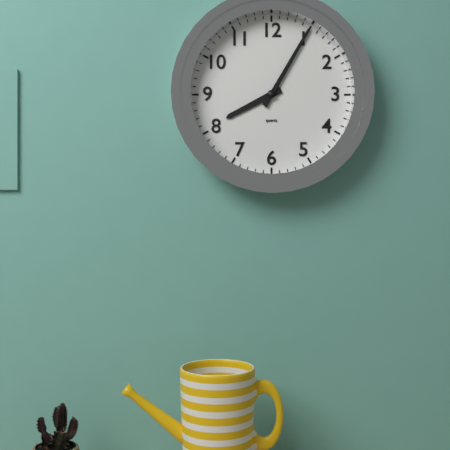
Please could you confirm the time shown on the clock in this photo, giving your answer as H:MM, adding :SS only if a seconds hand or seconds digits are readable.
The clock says 8:05
